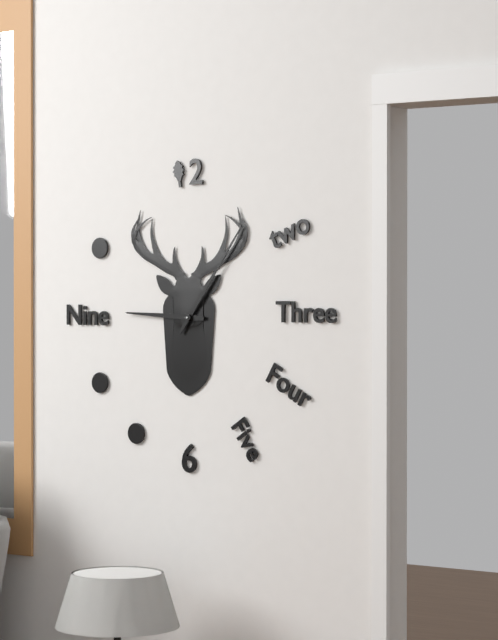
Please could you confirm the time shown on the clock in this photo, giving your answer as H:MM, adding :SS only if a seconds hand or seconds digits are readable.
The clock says 9:06
